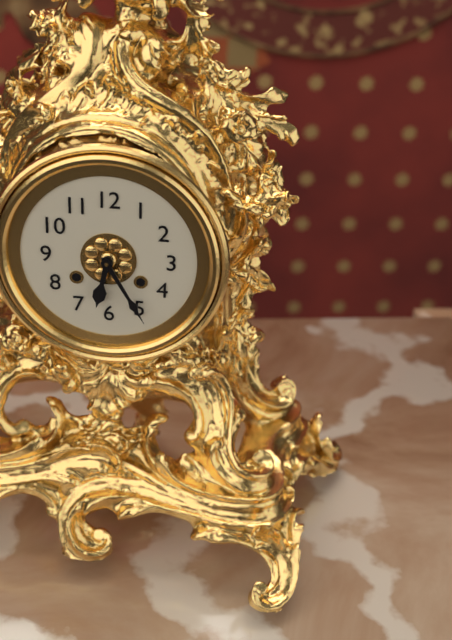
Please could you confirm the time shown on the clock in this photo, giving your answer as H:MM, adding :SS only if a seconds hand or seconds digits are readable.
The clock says 6:25
